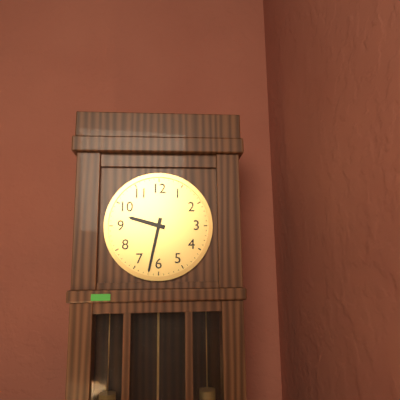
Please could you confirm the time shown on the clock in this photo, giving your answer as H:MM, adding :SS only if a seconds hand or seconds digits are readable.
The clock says 9:32
